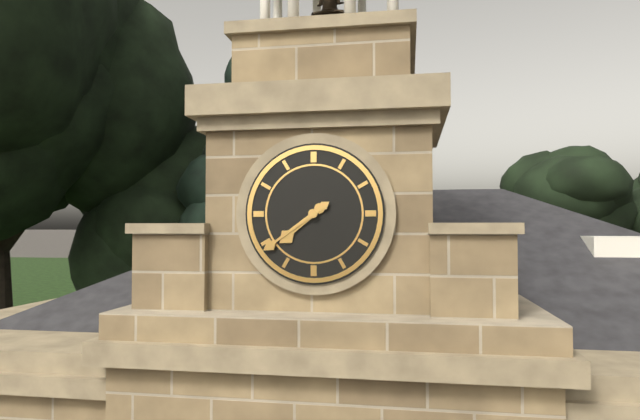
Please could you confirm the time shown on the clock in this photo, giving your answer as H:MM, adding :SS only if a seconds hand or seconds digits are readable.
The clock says 7:39
